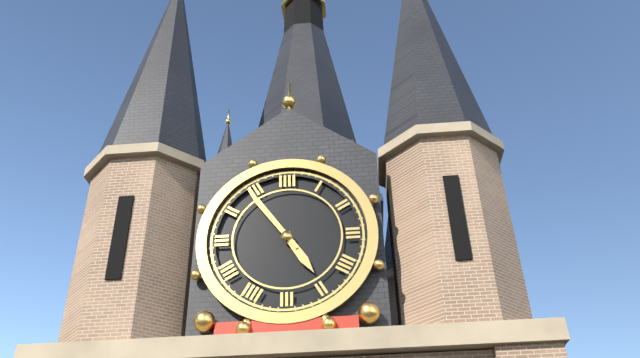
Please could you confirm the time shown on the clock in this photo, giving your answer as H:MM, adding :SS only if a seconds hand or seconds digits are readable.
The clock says 4:54
